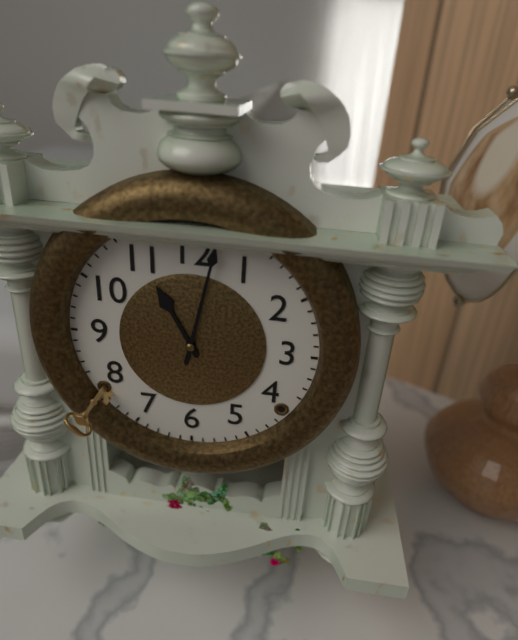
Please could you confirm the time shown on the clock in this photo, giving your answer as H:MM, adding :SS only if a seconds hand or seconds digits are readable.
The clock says 11:02
